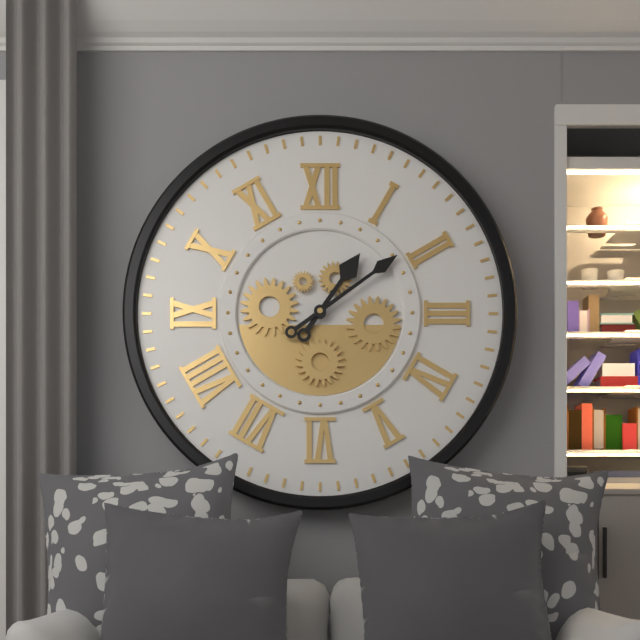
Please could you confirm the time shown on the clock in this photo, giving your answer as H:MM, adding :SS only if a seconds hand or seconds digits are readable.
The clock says 1:09
